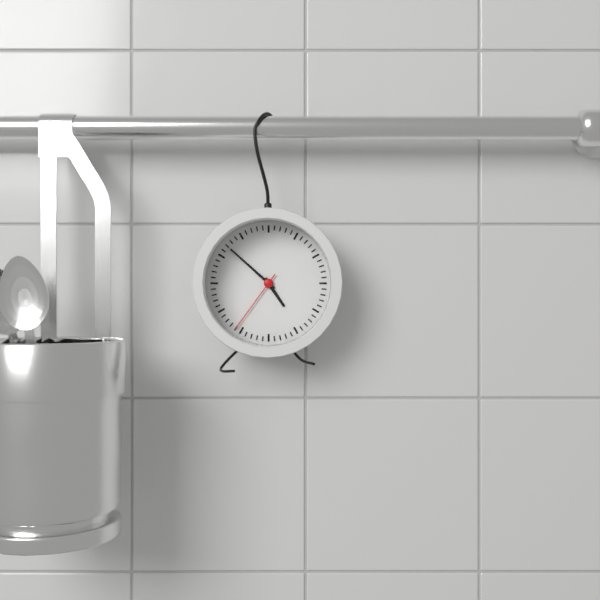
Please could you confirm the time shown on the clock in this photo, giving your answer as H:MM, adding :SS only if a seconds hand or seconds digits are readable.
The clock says 4:52:36
